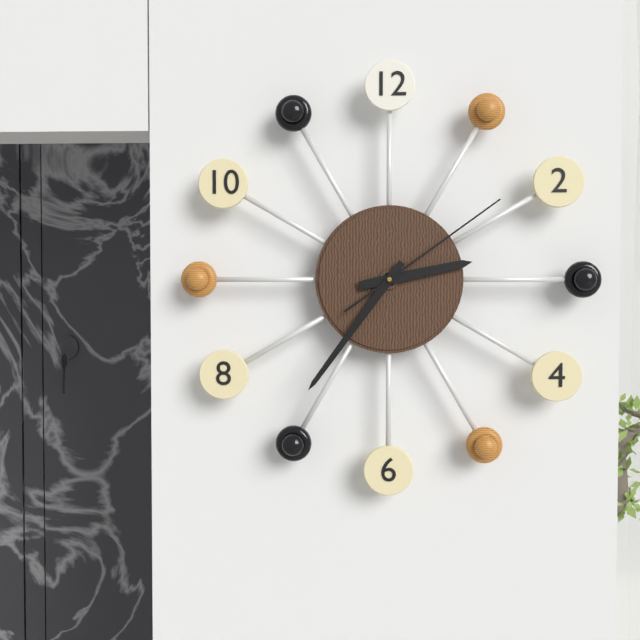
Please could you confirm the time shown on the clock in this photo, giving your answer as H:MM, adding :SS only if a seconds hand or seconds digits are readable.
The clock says 2:36:09
